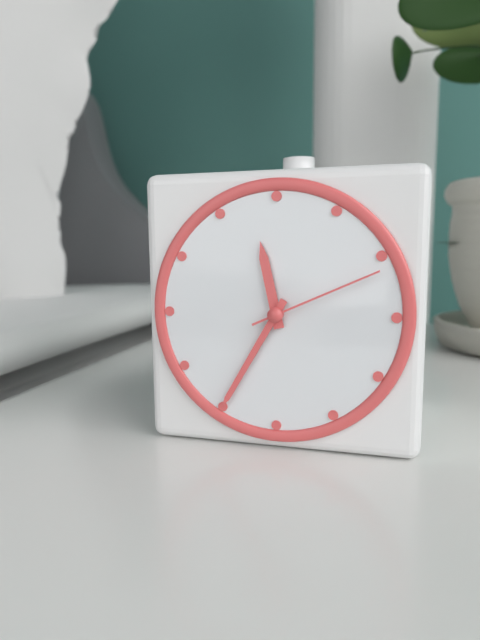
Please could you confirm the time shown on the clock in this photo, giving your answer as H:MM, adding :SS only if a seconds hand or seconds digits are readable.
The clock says 11:35:11
